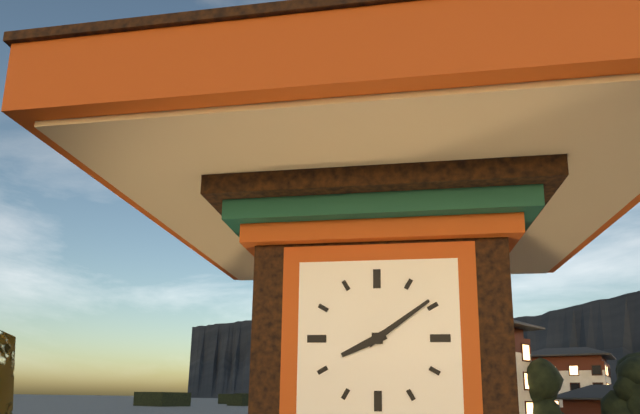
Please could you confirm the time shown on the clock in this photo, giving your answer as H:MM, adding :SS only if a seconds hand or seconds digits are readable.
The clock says 8:09
